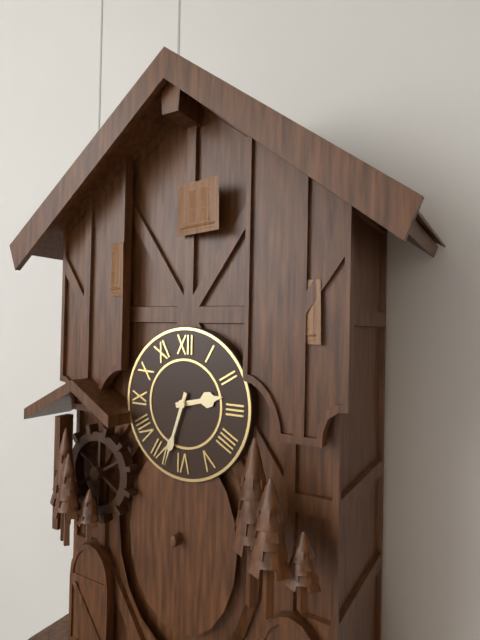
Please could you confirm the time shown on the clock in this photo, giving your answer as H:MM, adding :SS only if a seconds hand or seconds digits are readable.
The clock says 2:33
